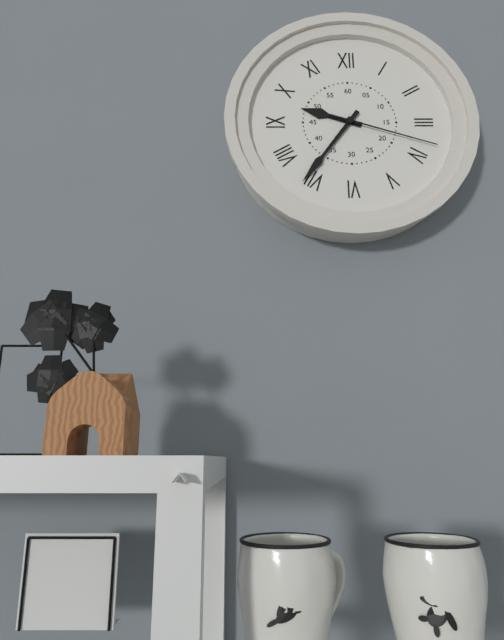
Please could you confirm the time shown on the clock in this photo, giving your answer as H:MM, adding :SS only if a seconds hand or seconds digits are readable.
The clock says 9:36:18
